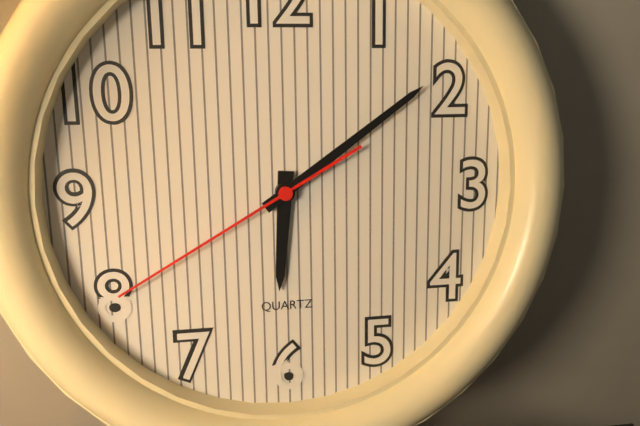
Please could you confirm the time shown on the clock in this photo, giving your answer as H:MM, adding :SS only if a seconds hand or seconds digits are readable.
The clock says 6:09:40
